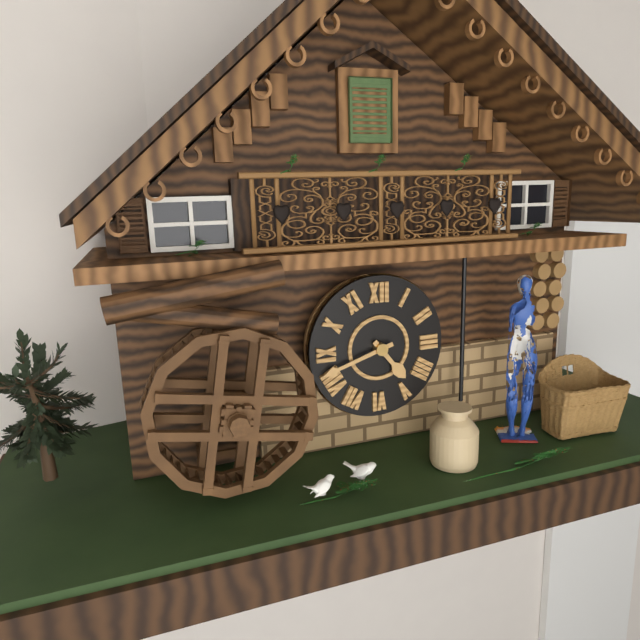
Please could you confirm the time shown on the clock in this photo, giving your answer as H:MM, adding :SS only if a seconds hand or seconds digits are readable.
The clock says 4:42
